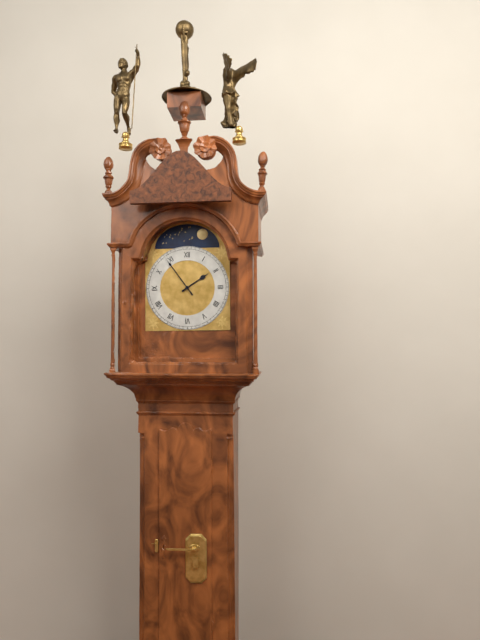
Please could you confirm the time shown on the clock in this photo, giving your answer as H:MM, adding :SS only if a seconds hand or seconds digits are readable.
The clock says 1:54
